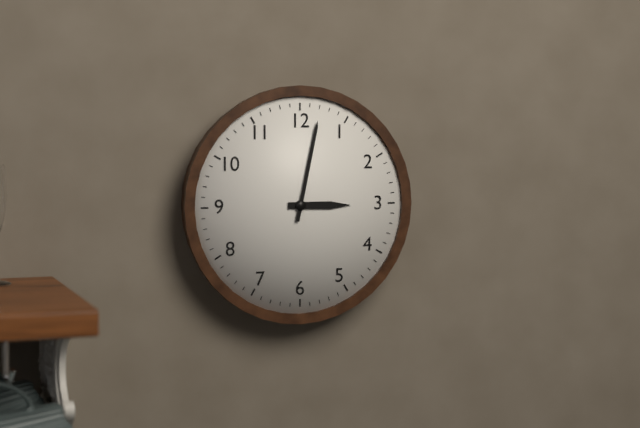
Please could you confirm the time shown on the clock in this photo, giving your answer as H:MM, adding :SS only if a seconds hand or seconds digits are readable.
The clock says 3:02
